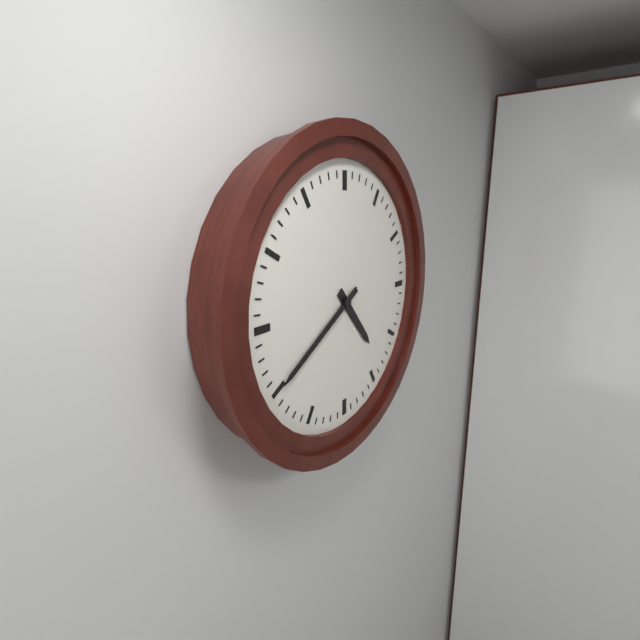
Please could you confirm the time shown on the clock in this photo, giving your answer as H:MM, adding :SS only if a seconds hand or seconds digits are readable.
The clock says 4:40
